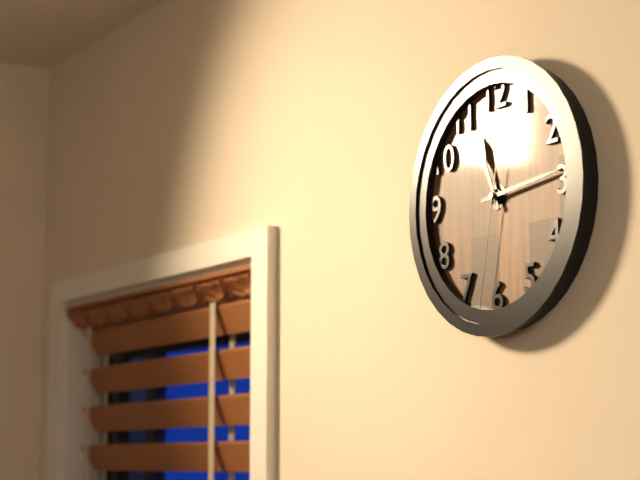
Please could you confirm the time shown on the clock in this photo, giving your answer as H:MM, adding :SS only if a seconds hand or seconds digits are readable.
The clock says 11:14:32
